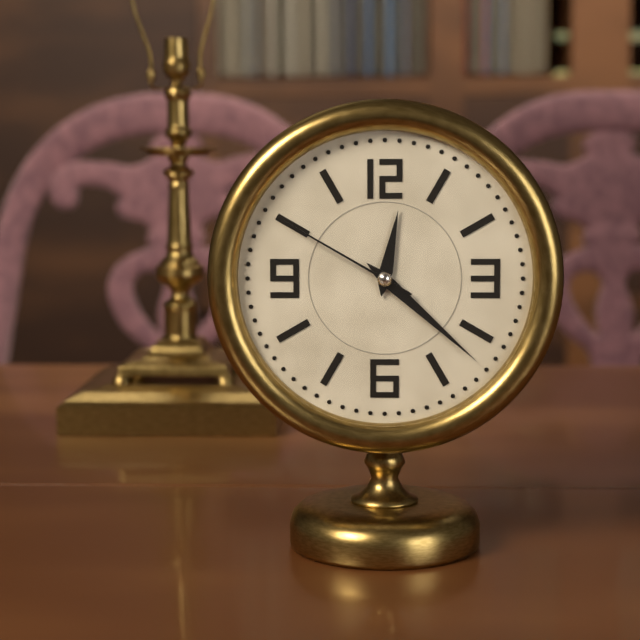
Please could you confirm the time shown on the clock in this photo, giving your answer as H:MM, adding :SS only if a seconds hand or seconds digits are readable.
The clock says 12:22:50
